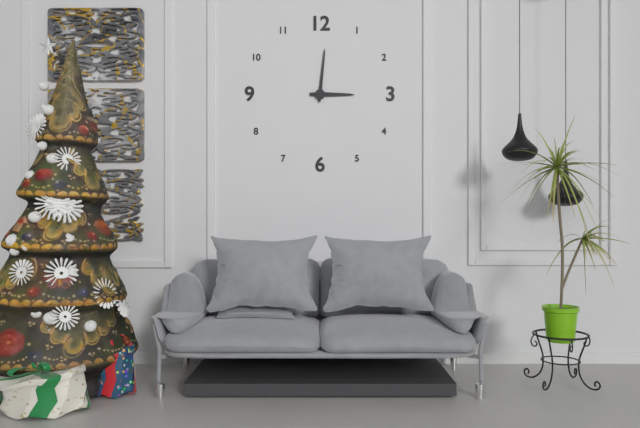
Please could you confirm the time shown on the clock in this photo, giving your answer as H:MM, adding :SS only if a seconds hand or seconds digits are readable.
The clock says 3:01
